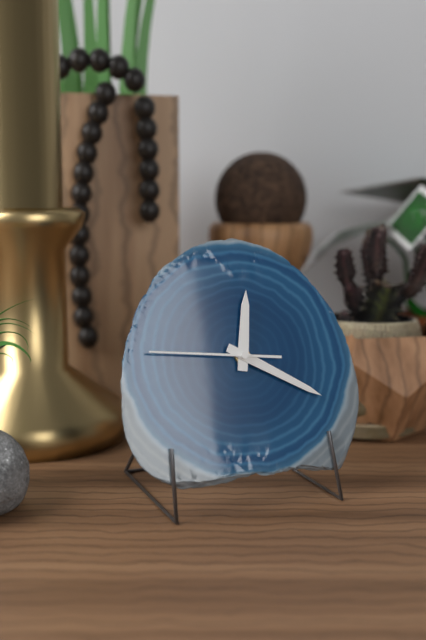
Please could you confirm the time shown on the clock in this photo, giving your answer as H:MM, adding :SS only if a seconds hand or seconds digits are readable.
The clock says 12:20:46
